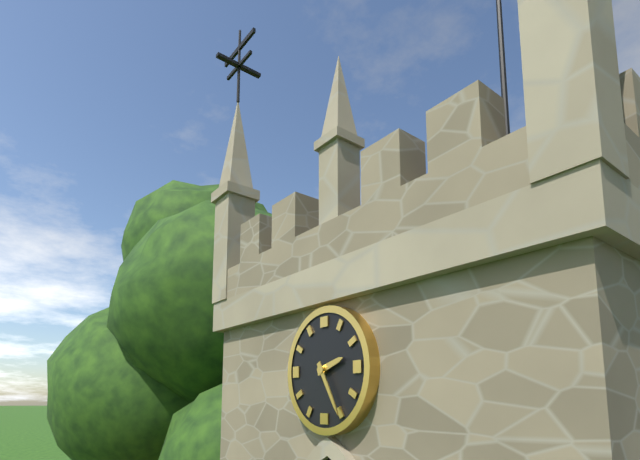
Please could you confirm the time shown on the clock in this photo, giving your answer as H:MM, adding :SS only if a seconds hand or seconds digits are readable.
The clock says 2:25
